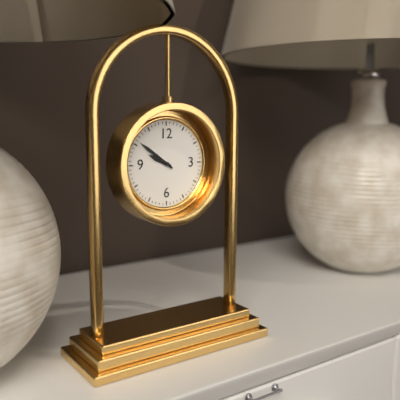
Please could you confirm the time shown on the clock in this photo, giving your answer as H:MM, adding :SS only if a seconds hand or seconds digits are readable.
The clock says 9:51
